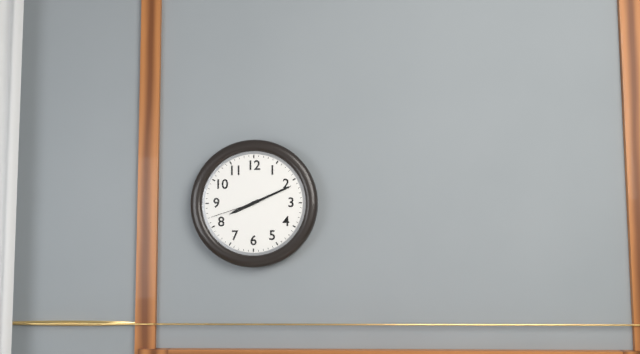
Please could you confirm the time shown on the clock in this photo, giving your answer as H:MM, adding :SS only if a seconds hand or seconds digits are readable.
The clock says 8:11:42
